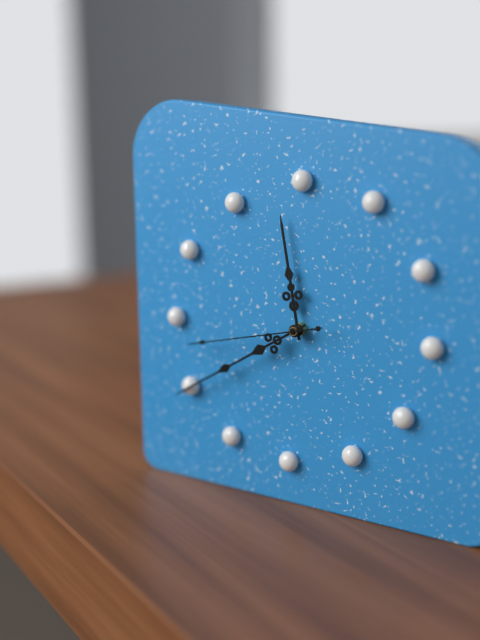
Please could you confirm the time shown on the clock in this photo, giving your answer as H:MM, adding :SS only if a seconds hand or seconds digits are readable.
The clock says 11:40:43
